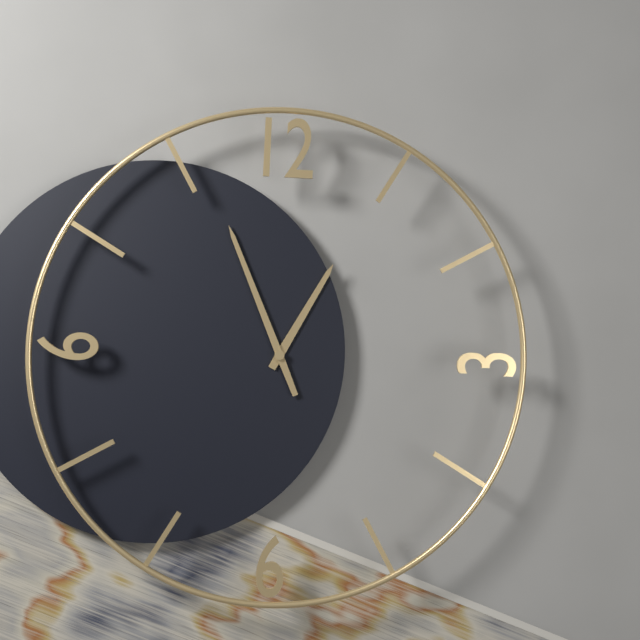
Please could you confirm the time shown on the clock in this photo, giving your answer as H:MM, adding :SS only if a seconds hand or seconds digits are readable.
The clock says 12:56
